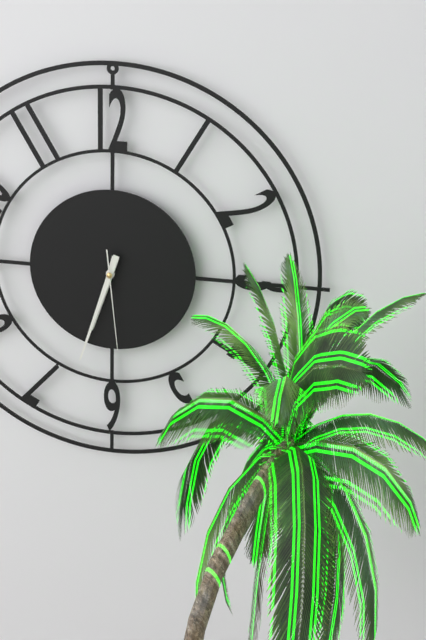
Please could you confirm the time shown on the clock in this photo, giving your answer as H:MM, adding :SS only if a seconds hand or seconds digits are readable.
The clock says 6:33:29
